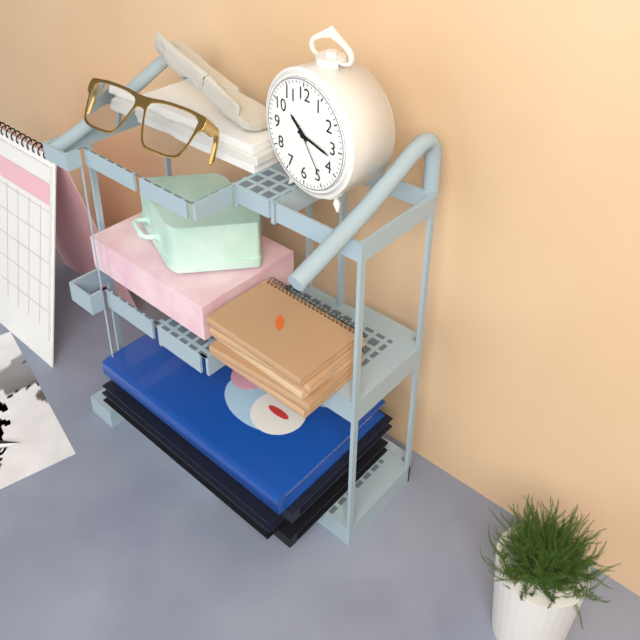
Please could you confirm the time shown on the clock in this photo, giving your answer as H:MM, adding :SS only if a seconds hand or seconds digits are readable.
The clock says 10:17:24
